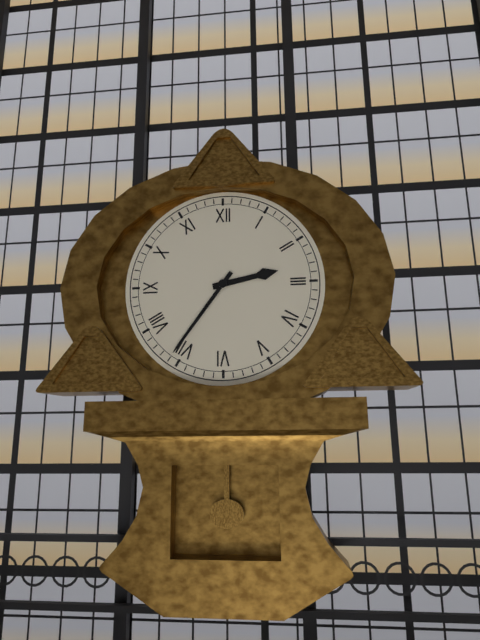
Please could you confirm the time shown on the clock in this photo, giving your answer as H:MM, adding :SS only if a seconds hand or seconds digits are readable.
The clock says 2:36
